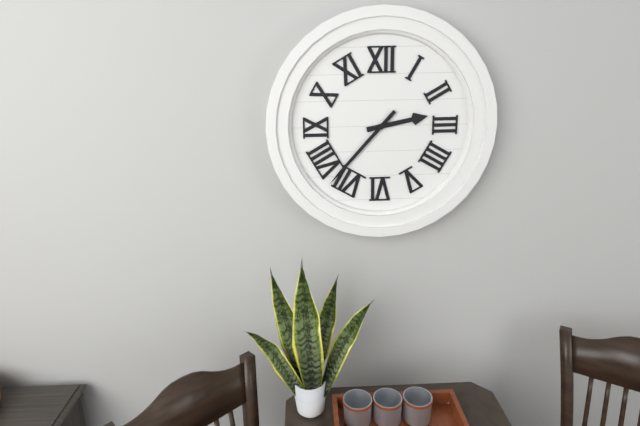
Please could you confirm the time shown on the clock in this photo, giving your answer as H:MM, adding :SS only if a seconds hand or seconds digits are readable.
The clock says 2:37
